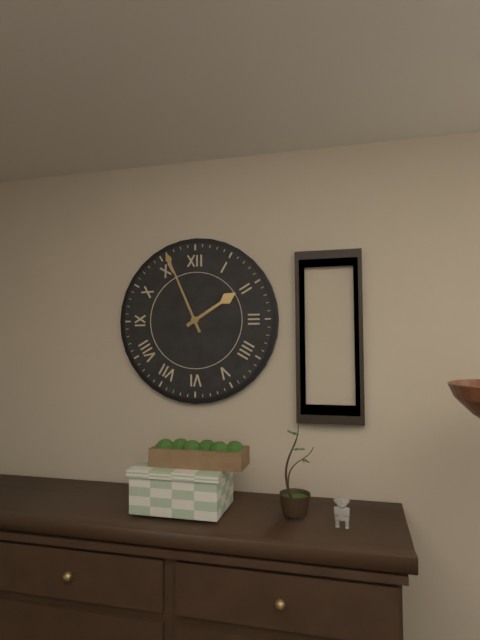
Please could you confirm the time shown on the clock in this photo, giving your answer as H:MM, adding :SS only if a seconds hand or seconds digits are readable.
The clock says 1:56
